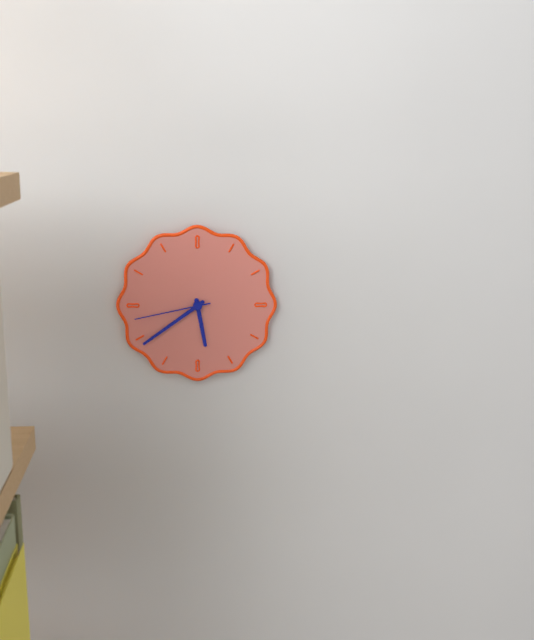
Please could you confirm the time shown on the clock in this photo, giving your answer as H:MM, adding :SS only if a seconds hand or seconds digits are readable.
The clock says 5:39:43
